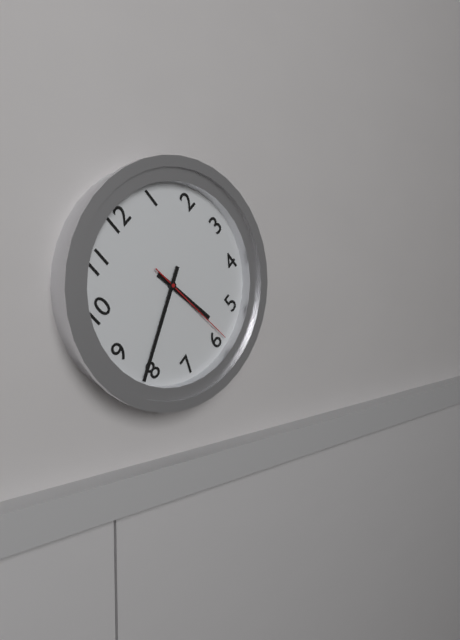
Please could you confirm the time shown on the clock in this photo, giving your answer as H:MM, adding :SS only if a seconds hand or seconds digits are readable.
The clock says 5:41:29
